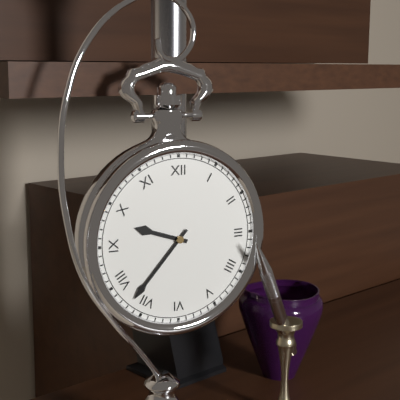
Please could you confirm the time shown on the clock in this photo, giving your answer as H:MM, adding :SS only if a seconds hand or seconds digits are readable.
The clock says 9:37
